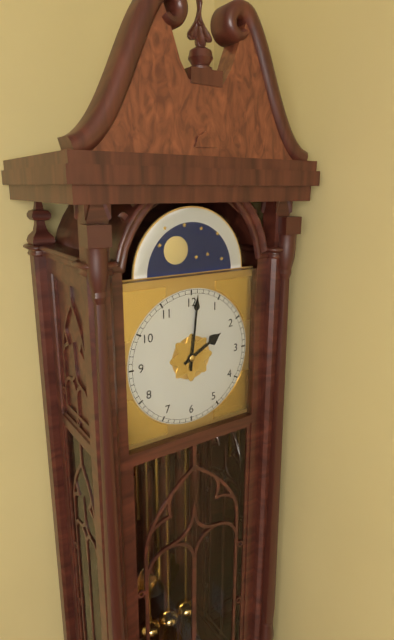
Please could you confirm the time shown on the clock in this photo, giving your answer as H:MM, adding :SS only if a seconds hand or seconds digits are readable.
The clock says 2:01
